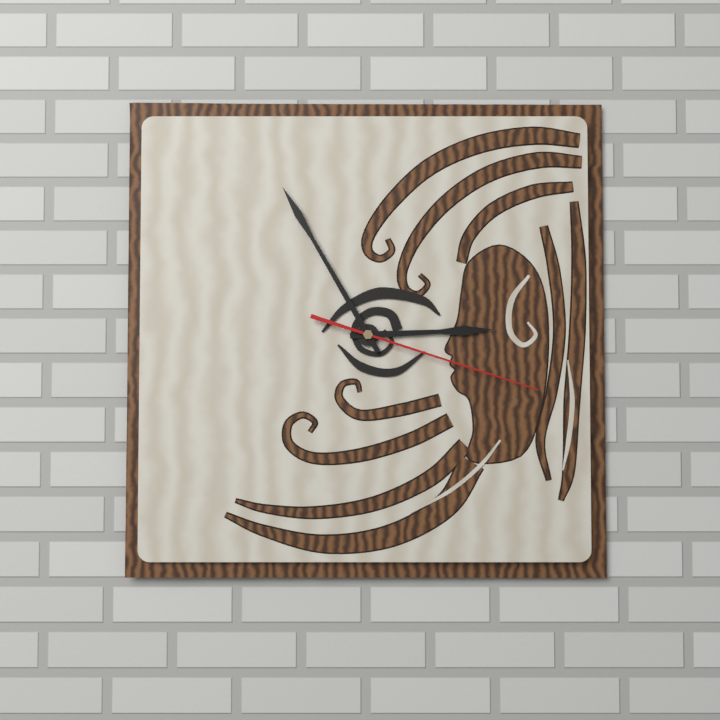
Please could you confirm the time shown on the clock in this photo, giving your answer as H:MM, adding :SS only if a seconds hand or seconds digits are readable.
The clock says 2:55:18
